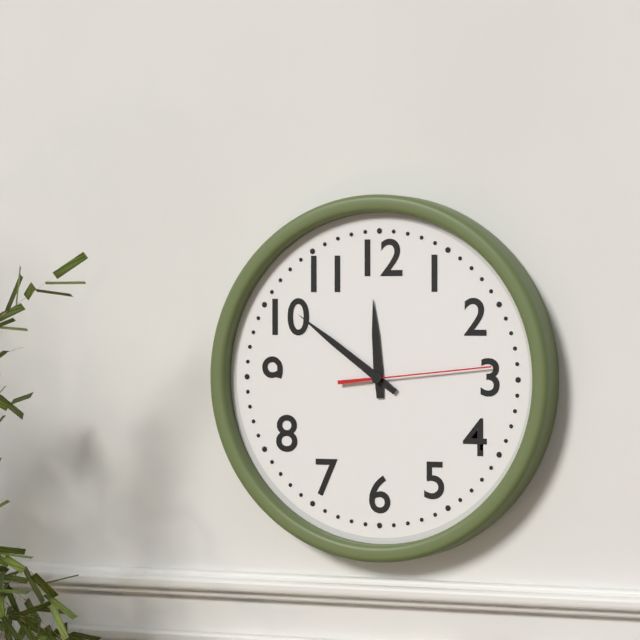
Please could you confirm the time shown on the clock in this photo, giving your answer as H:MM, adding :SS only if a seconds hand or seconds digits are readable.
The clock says 11:51:14
